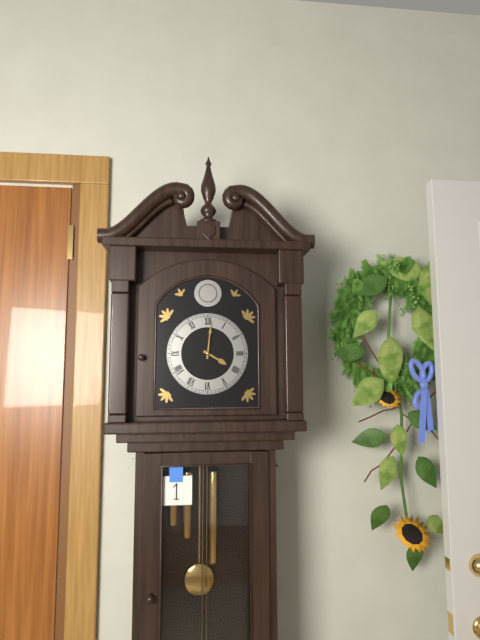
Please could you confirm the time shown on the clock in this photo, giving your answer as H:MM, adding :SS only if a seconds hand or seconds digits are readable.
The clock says 4:01
